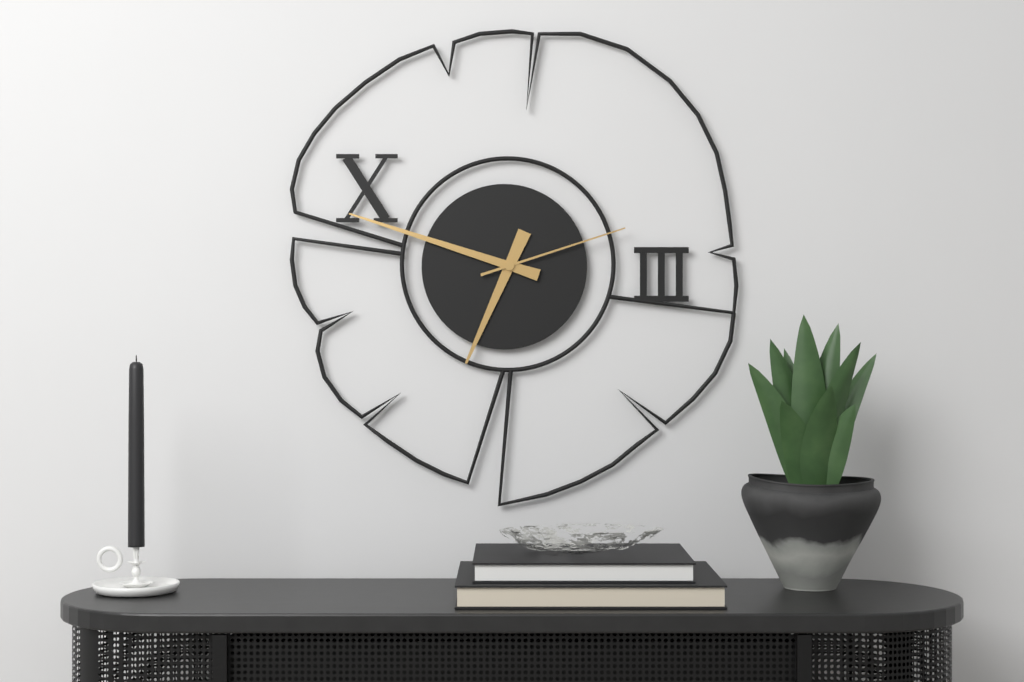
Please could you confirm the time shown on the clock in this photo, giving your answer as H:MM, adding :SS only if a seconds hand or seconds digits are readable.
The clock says 6:48:12
